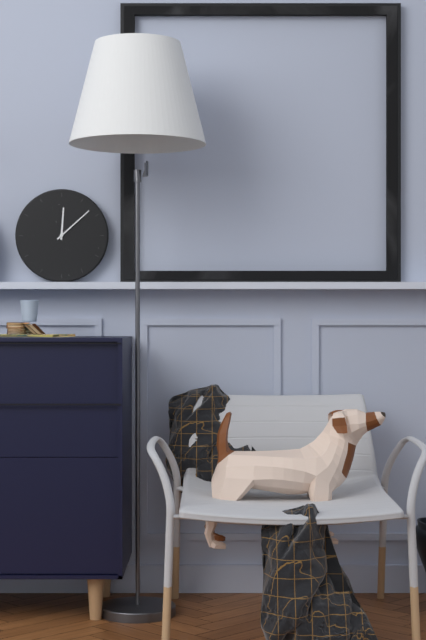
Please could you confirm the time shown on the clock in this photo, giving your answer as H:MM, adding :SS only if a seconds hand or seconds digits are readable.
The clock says 12:08
